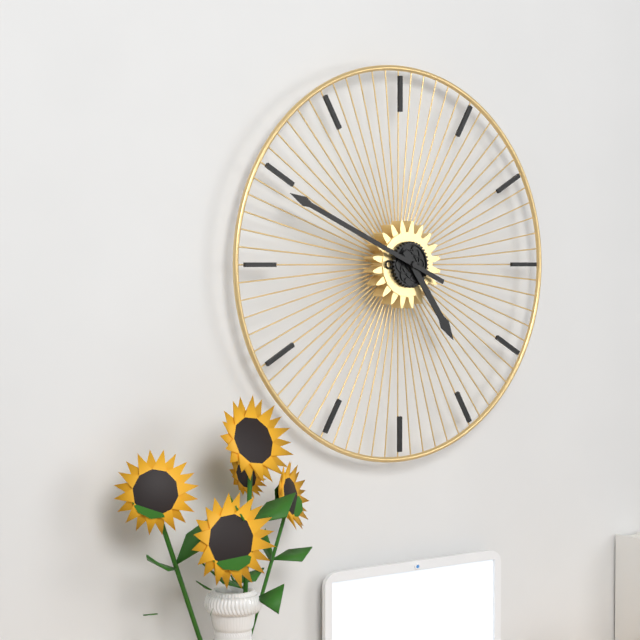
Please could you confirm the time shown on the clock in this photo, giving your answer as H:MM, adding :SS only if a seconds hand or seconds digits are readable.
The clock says 4:49
